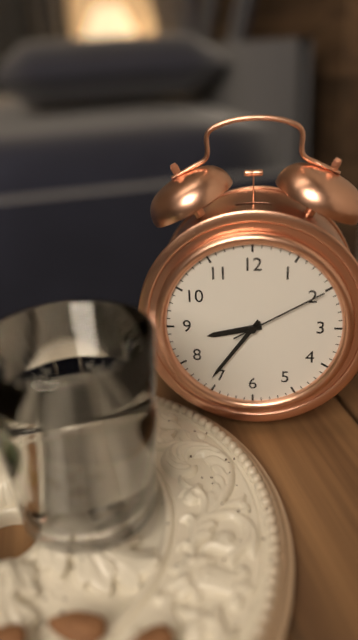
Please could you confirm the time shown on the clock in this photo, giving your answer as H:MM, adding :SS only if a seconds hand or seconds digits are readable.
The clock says 8:36:10
